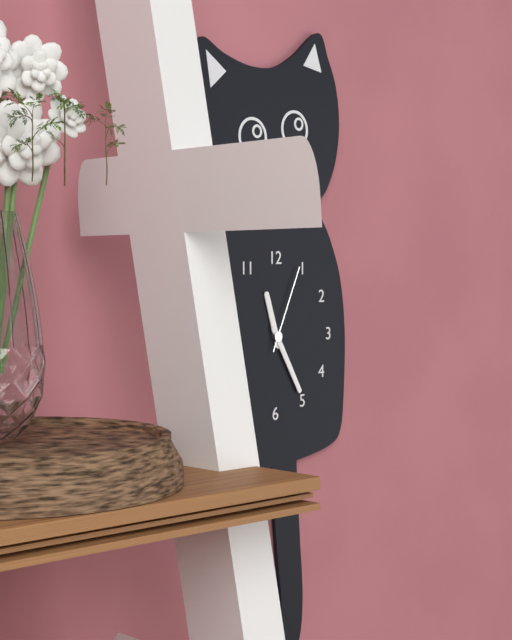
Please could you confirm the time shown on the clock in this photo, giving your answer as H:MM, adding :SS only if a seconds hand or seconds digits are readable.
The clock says 11:25:04
